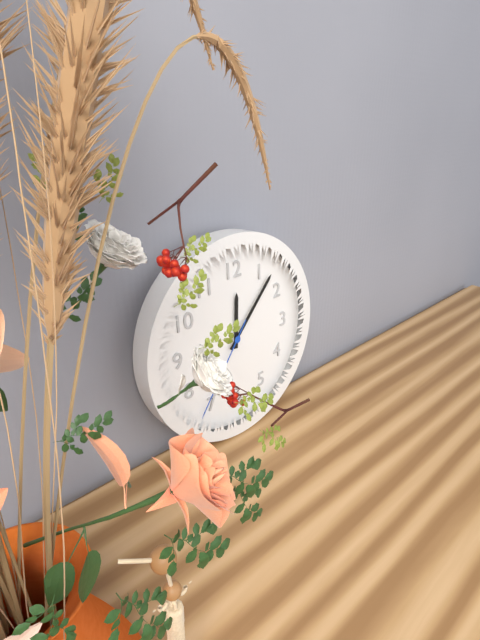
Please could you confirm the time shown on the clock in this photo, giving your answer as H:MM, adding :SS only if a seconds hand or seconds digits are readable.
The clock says 12:07:36
